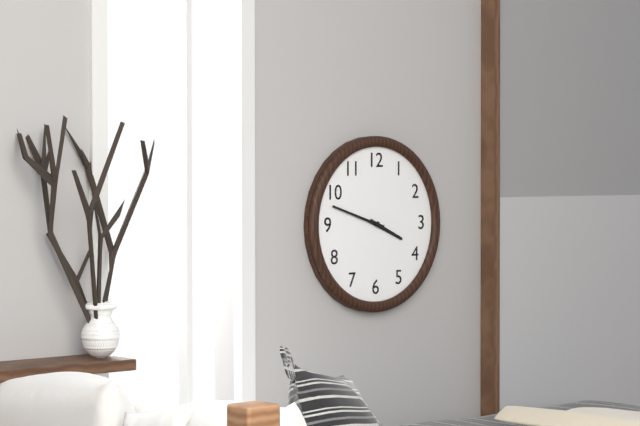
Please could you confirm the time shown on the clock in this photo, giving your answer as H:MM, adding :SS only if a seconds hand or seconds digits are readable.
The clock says 3:48
